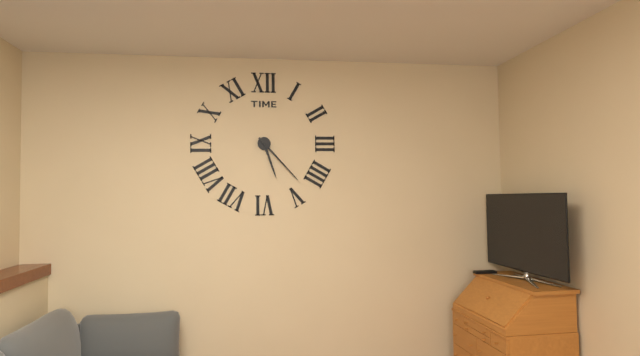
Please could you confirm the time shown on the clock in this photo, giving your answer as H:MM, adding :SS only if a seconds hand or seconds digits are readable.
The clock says 5:23
